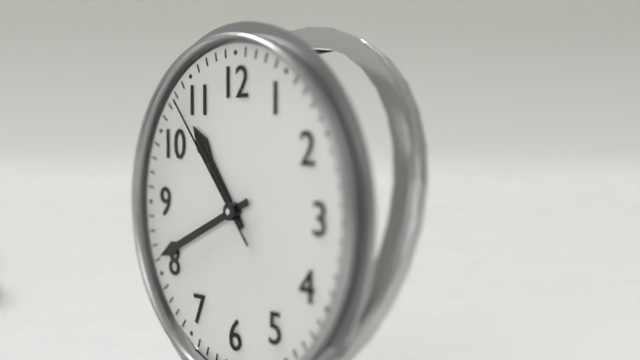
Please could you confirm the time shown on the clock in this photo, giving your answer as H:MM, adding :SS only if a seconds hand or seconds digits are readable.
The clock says 10:41:53
